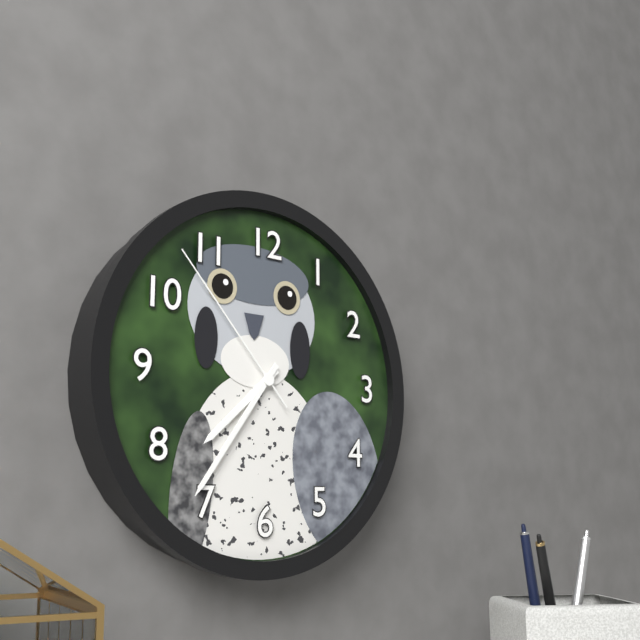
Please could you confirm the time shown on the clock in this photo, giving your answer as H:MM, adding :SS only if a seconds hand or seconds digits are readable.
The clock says 7:36:53
